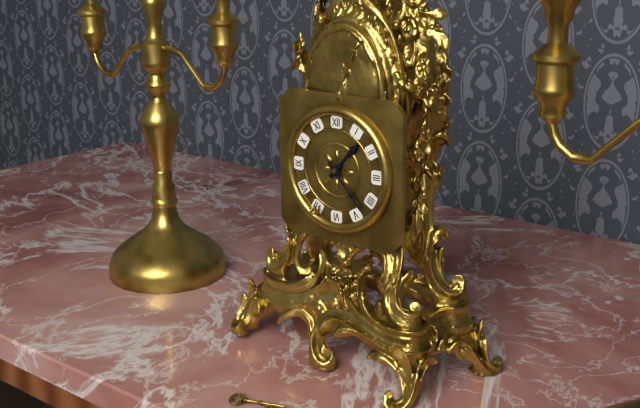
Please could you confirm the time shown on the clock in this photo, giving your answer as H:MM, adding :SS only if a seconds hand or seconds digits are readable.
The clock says 1:23
